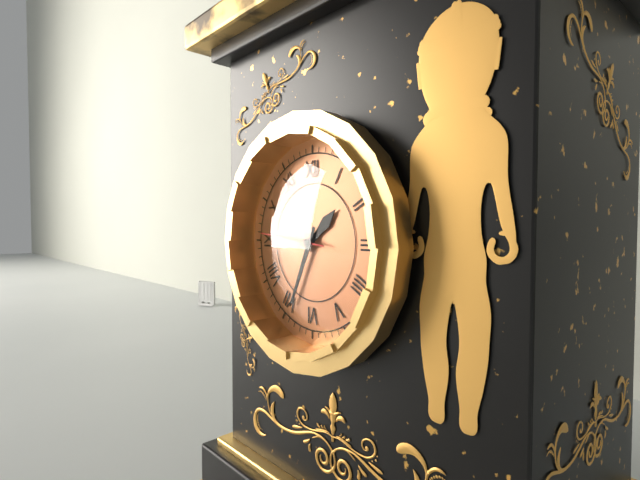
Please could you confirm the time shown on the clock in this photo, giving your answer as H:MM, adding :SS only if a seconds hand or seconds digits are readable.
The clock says 1:34:46
